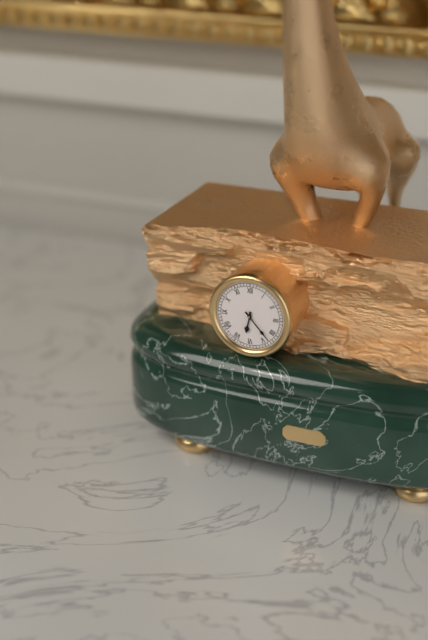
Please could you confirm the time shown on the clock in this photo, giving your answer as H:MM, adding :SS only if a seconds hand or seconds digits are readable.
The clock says 6:23
